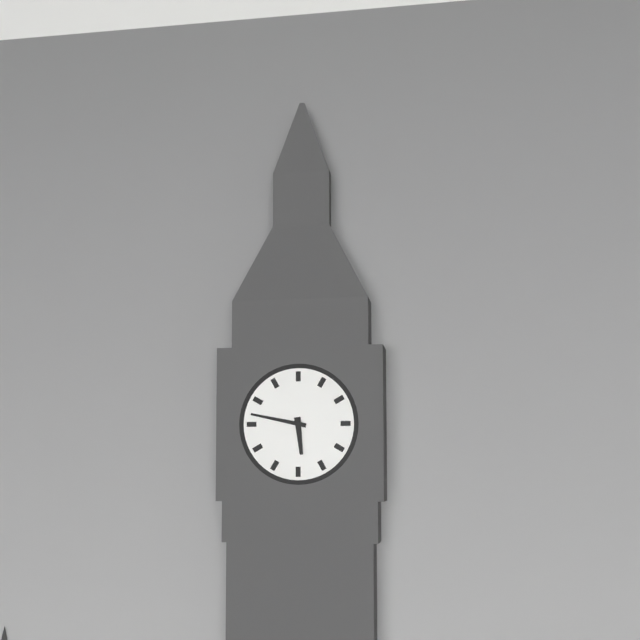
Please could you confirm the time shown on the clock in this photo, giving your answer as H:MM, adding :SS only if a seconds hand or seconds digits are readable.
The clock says 5:47
